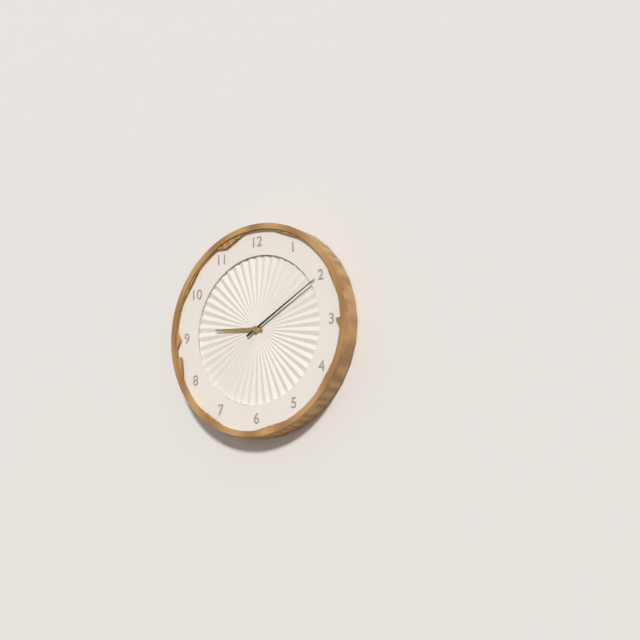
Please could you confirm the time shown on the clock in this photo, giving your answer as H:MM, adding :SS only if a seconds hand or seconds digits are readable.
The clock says 9:10
